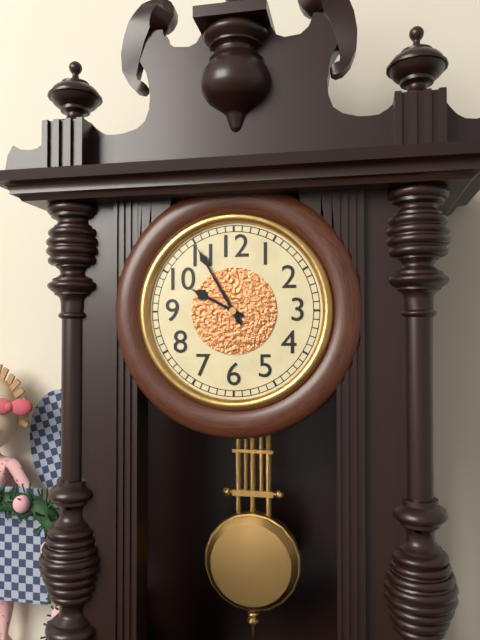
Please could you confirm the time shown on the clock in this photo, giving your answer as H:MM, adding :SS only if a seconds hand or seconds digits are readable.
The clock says 9:55
